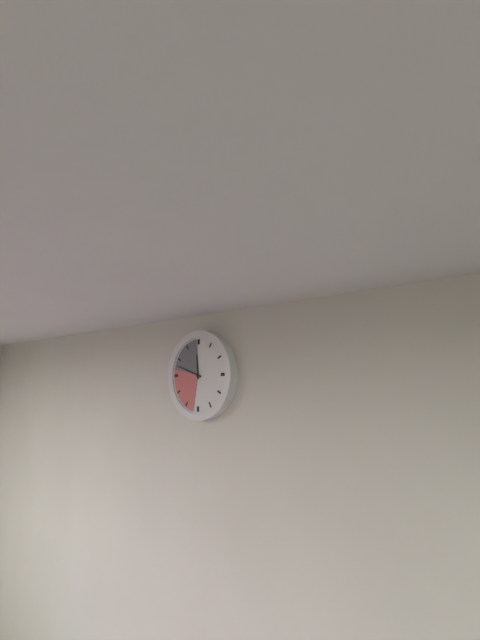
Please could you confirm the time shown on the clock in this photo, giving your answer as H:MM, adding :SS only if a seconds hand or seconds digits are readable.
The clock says 11:48
